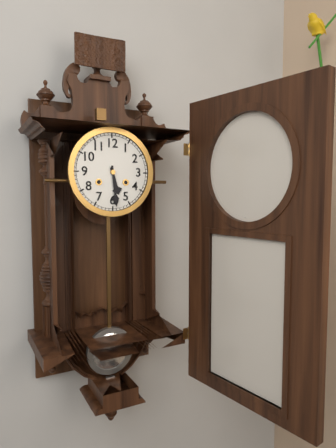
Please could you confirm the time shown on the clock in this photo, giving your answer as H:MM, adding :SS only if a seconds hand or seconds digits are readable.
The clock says 5:29
